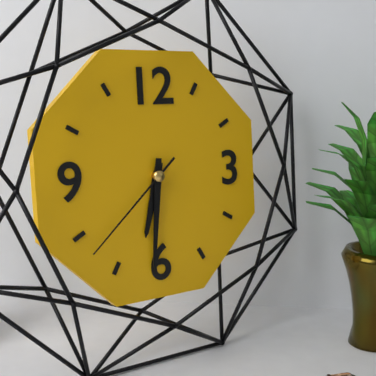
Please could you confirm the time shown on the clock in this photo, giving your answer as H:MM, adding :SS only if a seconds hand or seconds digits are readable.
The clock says 6:31:38
